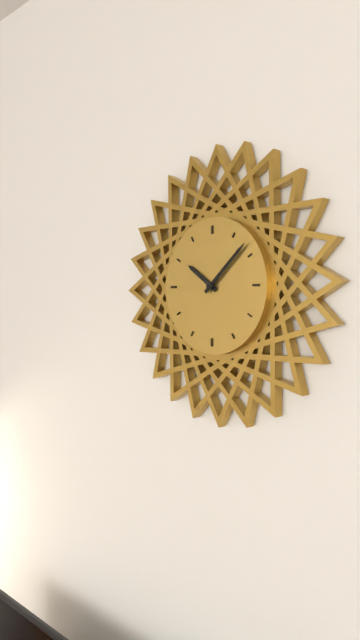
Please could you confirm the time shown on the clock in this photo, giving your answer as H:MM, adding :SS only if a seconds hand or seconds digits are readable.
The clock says 10:08
